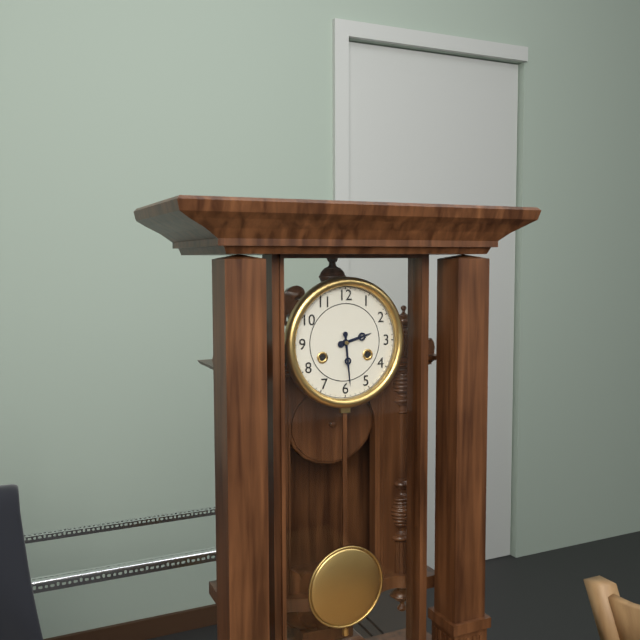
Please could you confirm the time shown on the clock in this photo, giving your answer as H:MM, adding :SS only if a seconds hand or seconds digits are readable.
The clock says 2:29
